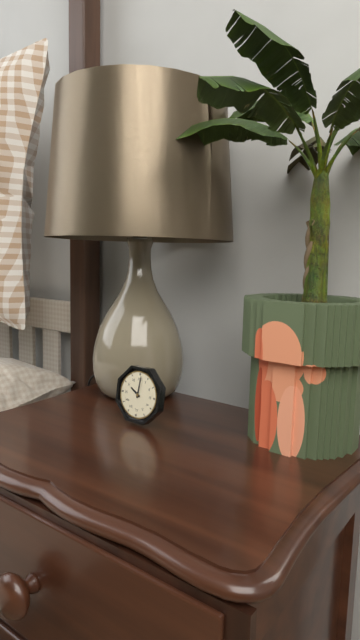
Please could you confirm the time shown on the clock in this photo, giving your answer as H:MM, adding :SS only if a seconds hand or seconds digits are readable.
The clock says 10:01
